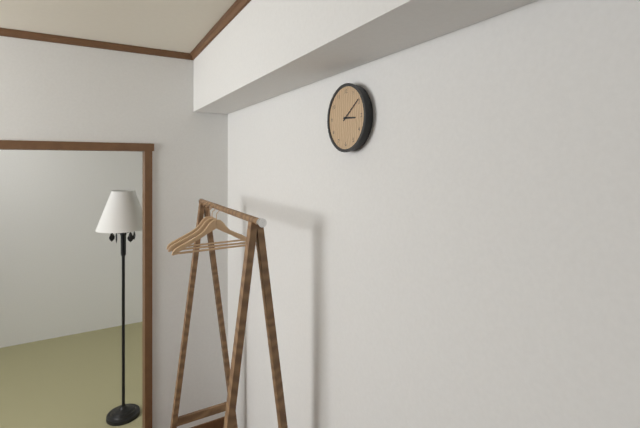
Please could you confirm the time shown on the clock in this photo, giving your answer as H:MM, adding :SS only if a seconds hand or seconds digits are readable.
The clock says 3:09
